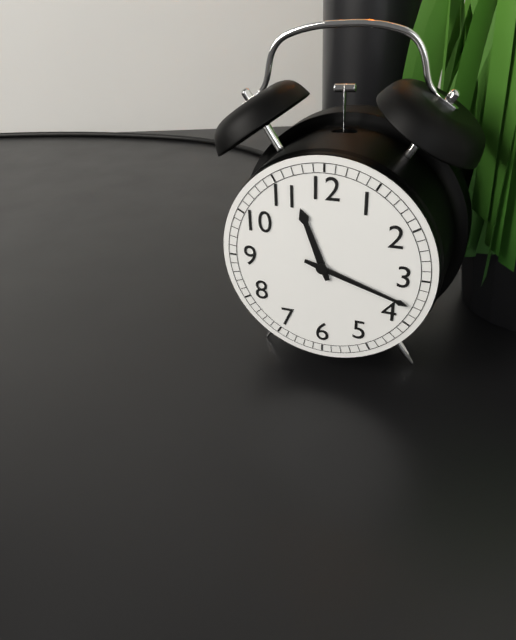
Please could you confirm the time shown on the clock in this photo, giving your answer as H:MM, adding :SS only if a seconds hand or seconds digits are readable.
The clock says 11:18
